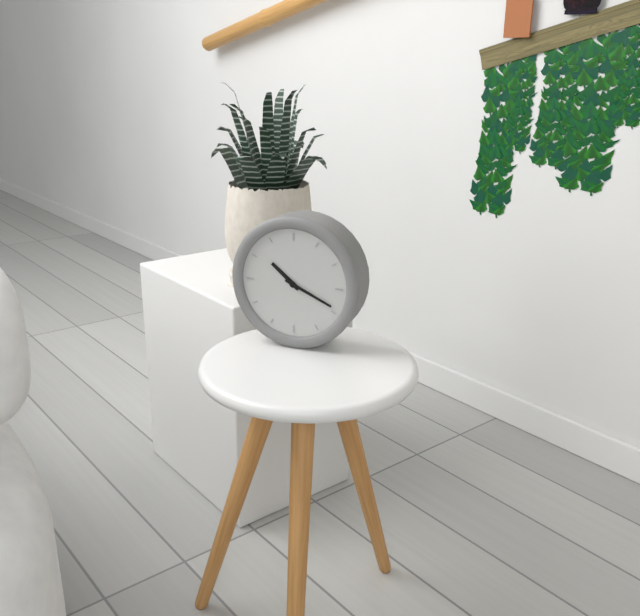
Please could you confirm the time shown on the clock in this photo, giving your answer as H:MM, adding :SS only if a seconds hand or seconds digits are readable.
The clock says 10:19
